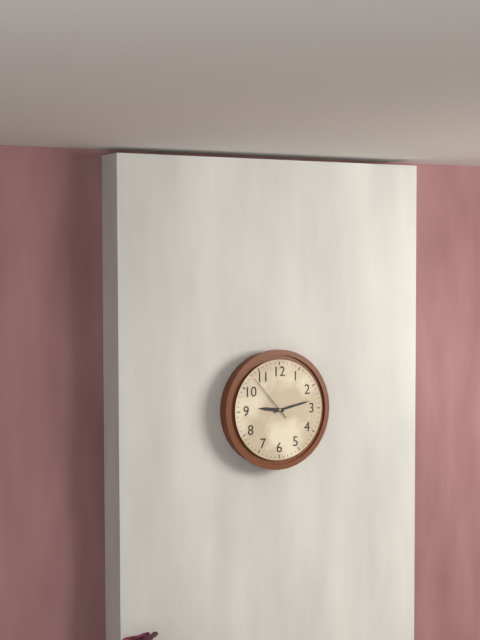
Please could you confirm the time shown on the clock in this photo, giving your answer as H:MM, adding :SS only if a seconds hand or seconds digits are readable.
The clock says 9:13:53
